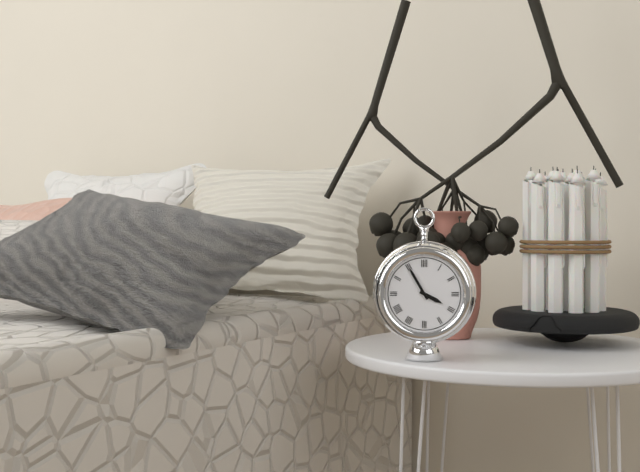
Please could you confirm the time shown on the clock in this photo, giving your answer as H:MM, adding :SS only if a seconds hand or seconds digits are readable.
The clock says 3:55
